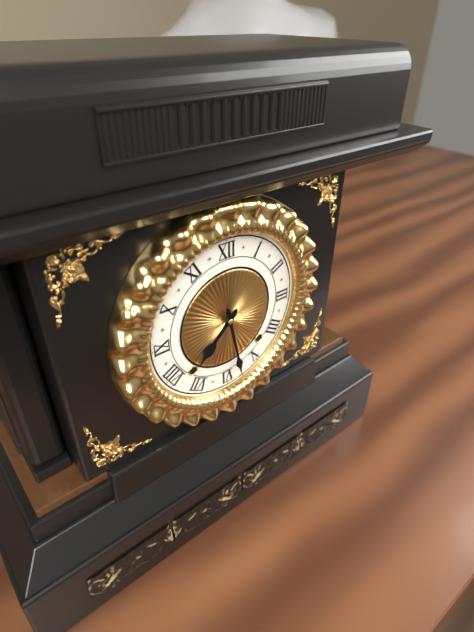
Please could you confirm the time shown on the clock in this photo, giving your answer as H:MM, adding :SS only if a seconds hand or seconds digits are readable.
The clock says 7:28
